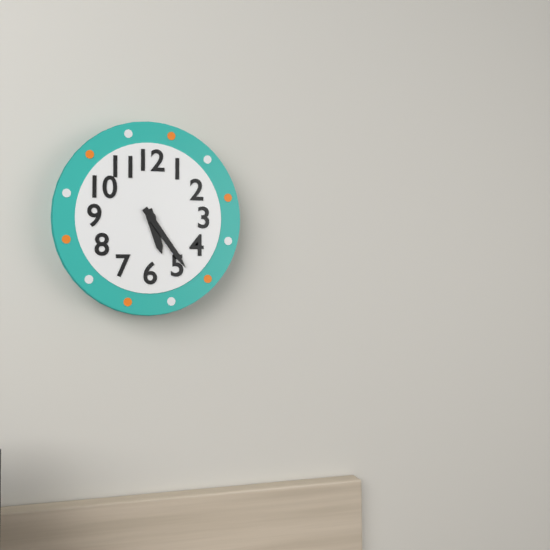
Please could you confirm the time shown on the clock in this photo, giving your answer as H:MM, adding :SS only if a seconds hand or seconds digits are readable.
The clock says 5:24
